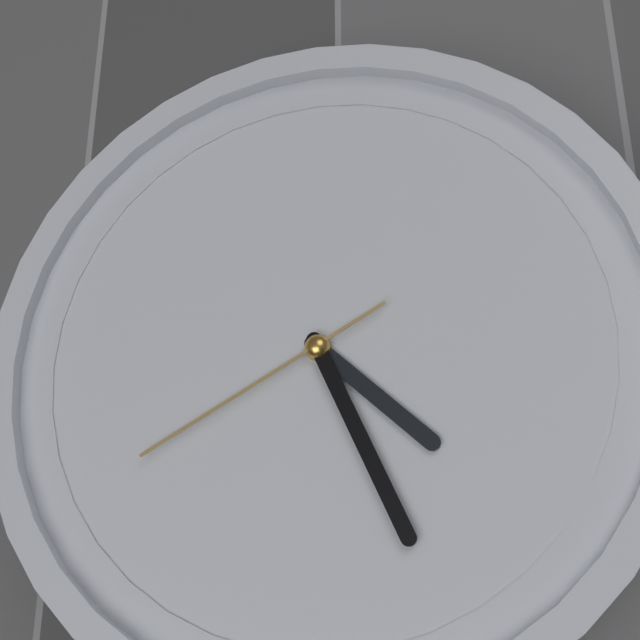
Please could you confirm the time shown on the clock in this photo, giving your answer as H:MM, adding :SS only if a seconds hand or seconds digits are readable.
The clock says 4:26:40
